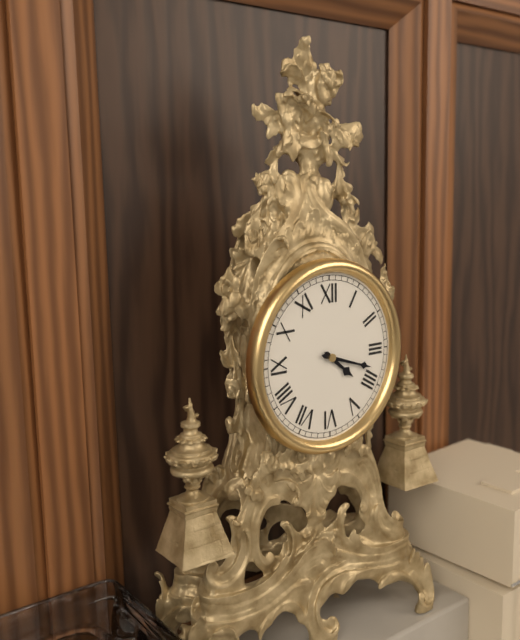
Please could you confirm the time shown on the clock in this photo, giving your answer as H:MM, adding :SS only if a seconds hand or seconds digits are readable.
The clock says 4:18
